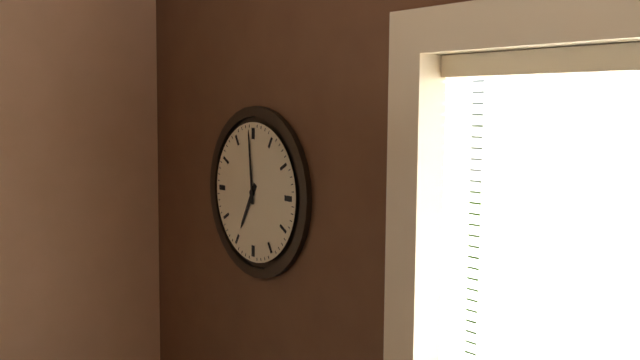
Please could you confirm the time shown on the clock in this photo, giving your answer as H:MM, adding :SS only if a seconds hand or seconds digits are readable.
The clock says 6:59
